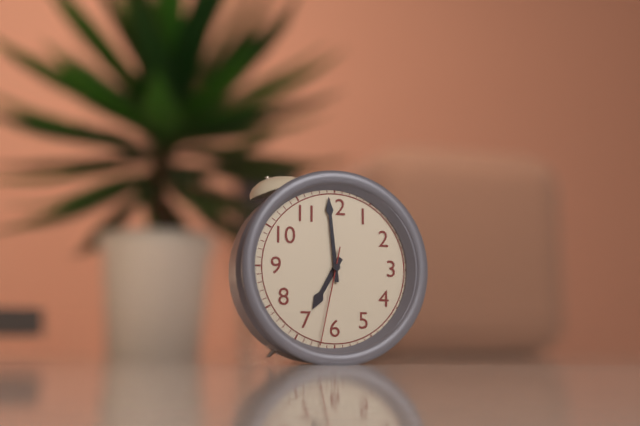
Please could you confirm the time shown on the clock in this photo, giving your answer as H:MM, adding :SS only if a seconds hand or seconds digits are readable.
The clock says 6:59:32
